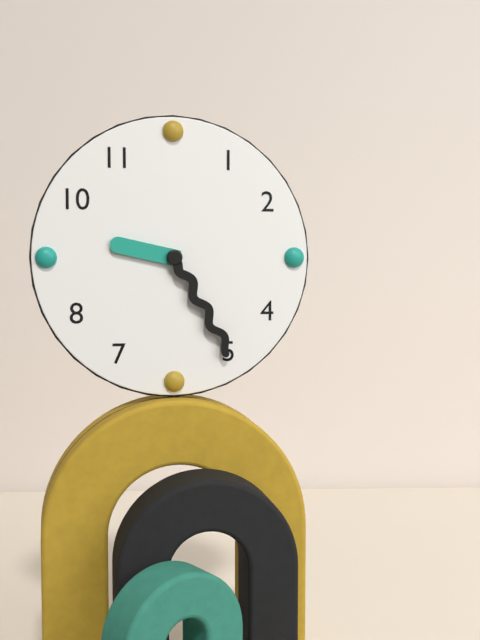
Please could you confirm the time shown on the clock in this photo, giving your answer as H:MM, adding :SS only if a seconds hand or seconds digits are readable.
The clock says 9:25
